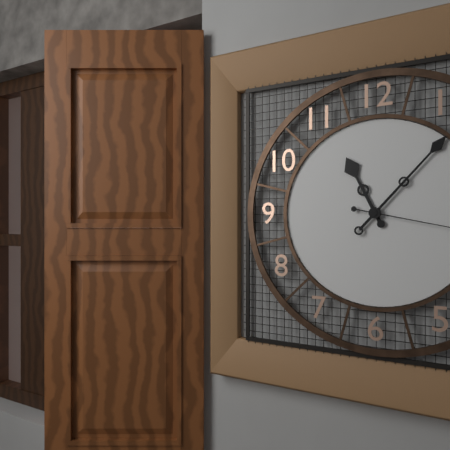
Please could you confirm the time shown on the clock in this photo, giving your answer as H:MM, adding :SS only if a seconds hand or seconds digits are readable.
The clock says 11:07
